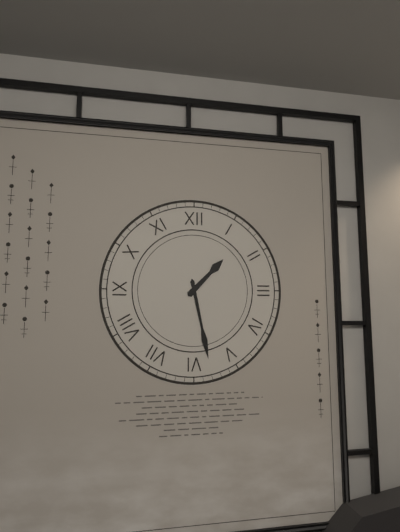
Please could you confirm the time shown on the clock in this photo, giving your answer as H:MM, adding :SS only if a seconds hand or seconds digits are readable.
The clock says 1:28
